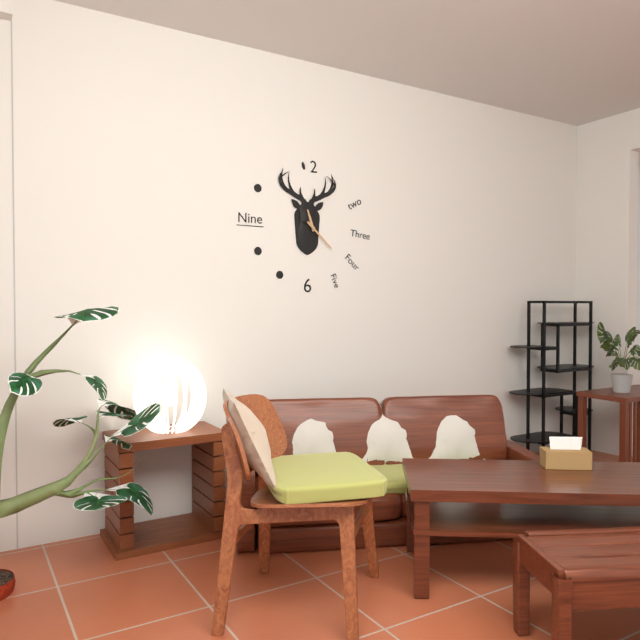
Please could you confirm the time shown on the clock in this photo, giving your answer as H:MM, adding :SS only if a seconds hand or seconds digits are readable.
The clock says 11:22
